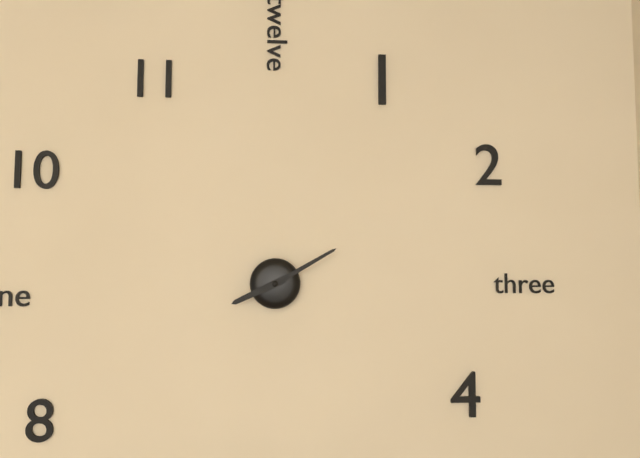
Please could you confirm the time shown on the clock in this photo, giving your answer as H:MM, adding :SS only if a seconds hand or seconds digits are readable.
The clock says 8:10
